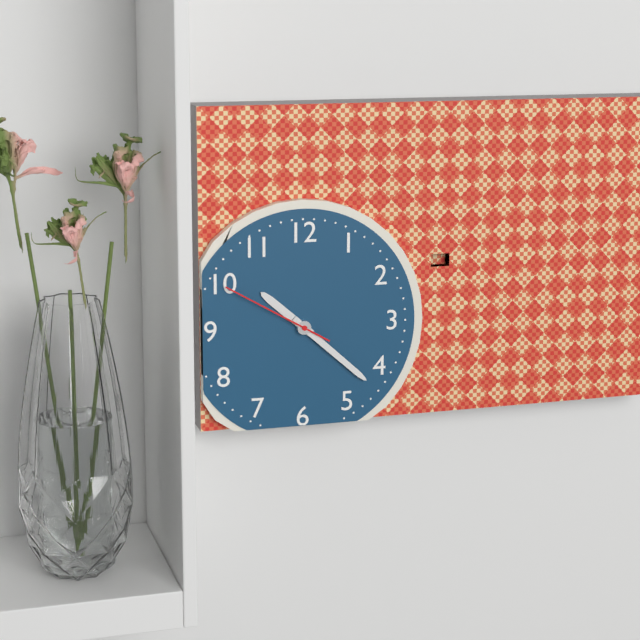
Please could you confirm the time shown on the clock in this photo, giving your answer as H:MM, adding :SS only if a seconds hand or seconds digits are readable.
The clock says 10:22:50
